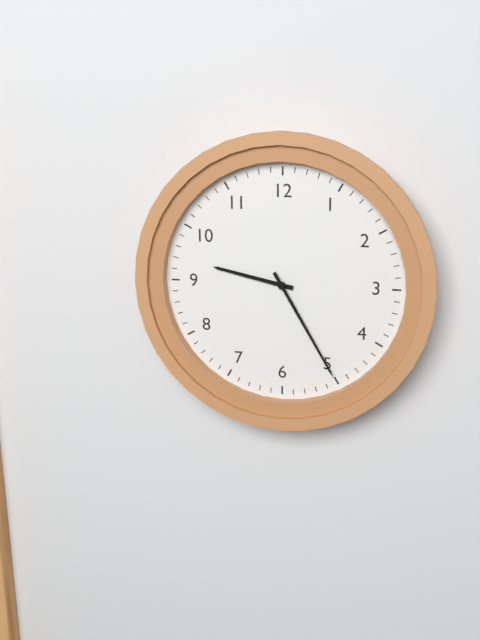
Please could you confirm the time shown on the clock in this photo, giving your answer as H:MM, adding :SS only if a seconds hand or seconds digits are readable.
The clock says 9:25
